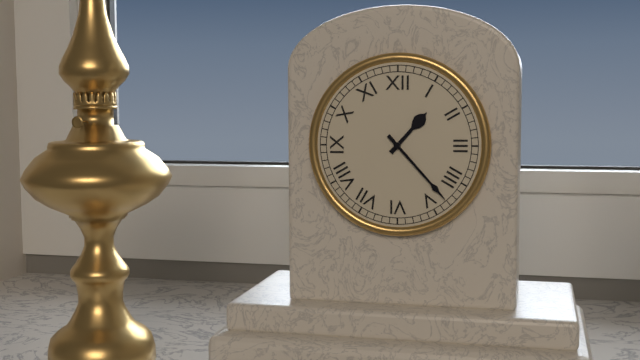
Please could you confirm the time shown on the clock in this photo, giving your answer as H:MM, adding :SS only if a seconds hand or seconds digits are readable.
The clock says 1:23
